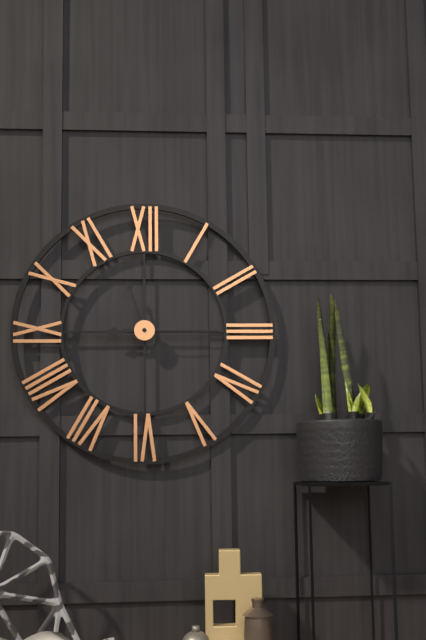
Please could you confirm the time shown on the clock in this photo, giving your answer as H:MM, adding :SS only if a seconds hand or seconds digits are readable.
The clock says 8:57:15
